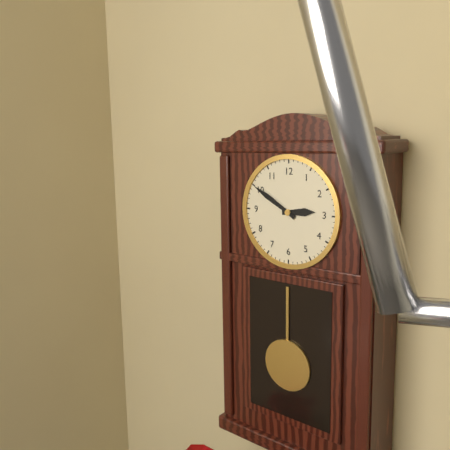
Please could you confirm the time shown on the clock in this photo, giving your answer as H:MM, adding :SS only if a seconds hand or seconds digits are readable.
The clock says 2:50
